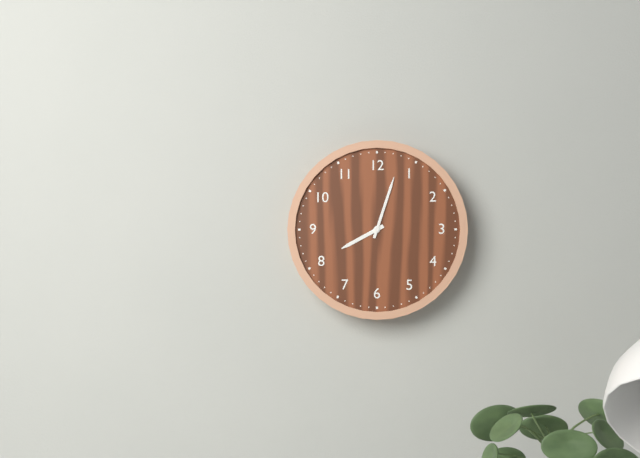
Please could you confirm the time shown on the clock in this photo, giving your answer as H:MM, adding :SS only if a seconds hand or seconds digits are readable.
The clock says 8:03
